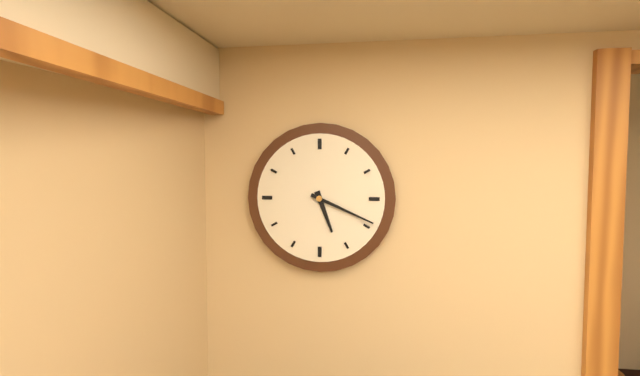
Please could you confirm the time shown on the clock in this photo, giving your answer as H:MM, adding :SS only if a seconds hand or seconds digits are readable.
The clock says 5:19
